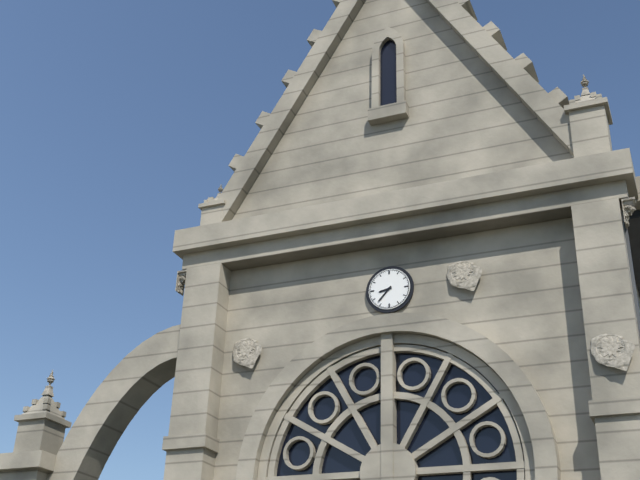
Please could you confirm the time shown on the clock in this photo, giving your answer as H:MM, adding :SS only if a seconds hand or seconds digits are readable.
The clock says 8:37
